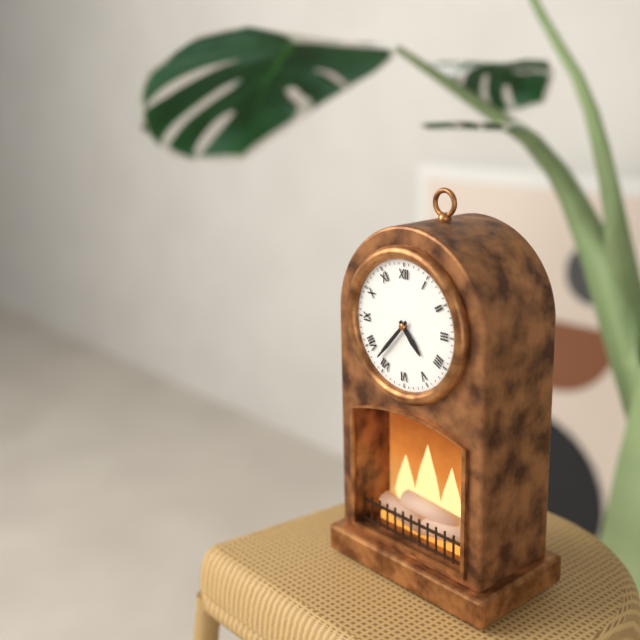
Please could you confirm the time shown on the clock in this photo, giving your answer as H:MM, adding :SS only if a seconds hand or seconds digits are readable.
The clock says 4:37
